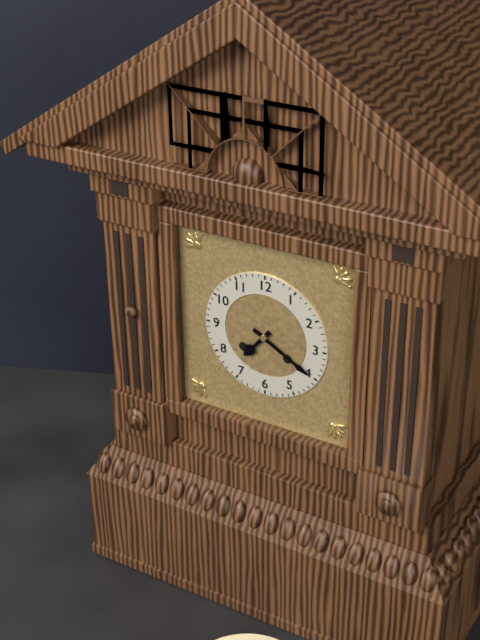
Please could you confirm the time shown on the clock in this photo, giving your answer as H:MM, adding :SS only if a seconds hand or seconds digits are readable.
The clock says 7:20
